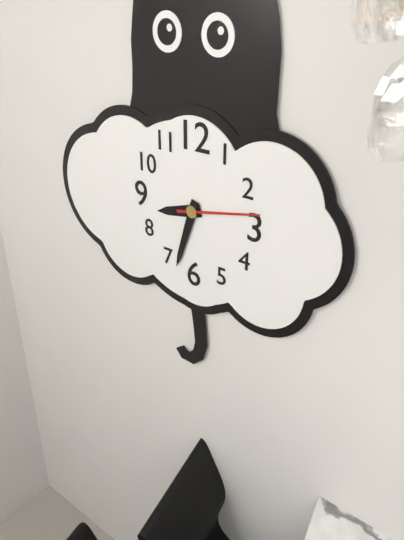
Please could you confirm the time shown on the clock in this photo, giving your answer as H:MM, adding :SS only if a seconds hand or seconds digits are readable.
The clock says 8:33:13
